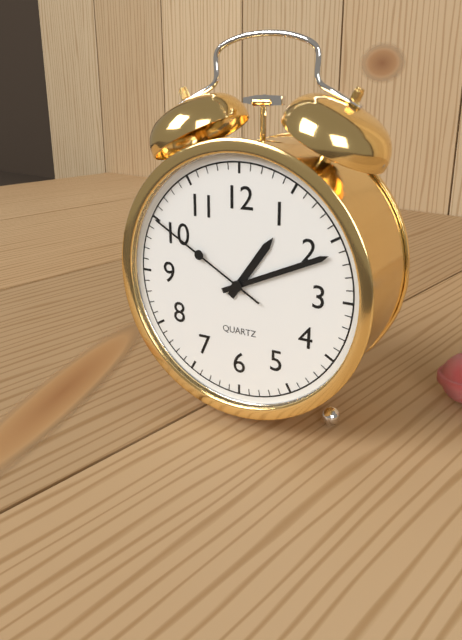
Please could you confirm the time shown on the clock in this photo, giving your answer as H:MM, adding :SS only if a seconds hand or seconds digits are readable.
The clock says 1:11:50
